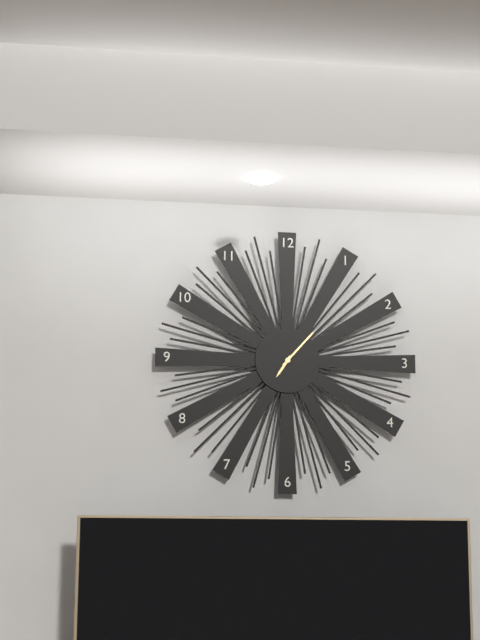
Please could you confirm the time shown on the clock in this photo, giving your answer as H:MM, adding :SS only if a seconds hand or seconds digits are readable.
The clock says 7:07
